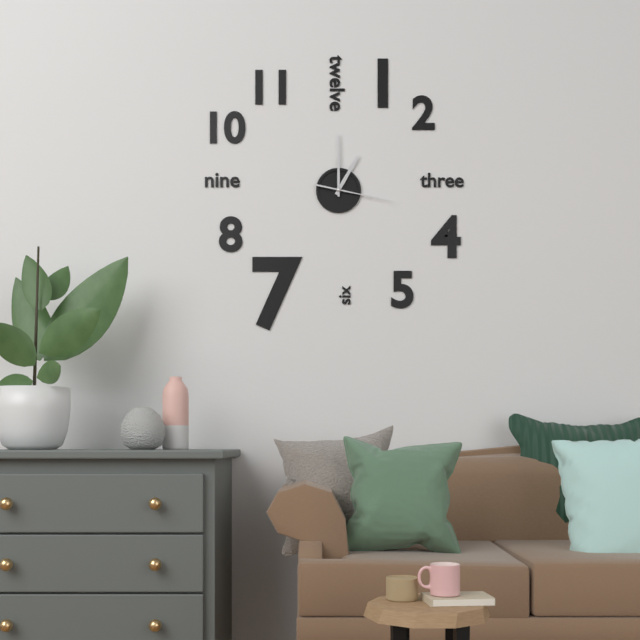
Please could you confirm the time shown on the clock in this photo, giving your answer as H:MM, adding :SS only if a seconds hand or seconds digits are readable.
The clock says 1:00:17
